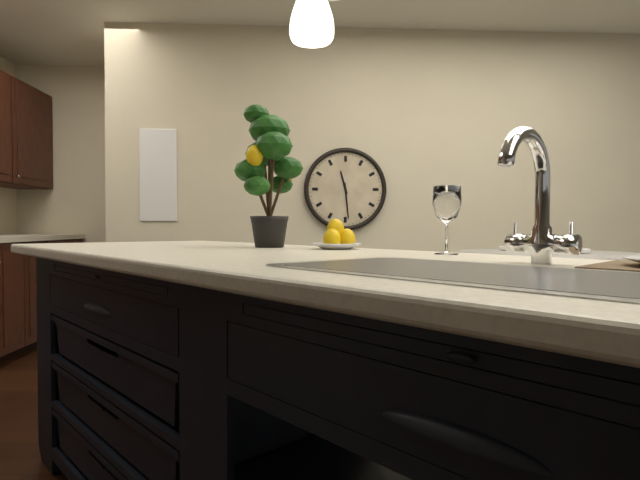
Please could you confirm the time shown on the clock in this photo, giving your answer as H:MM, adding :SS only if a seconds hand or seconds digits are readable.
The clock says 11:29
